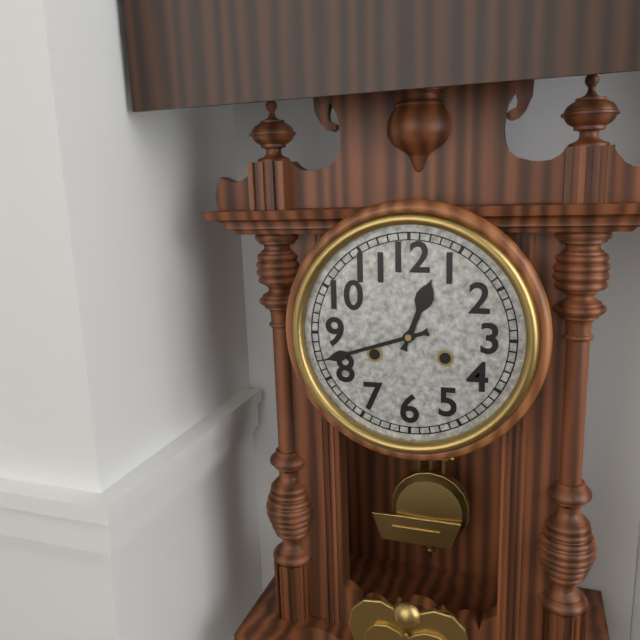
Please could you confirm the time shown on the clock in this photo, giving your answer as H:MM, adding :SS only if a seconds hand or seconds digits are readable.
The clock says 12:42
